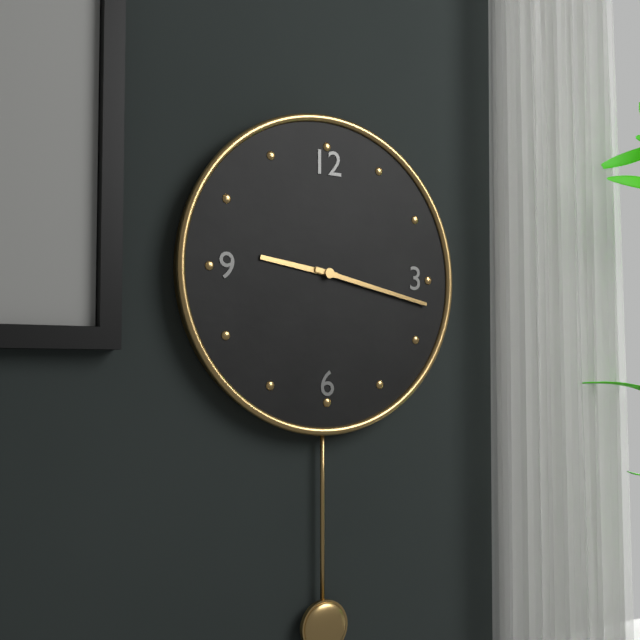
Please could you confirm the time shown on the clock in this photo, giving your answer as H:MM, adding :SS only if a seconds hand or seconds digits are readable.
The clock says 9:17
